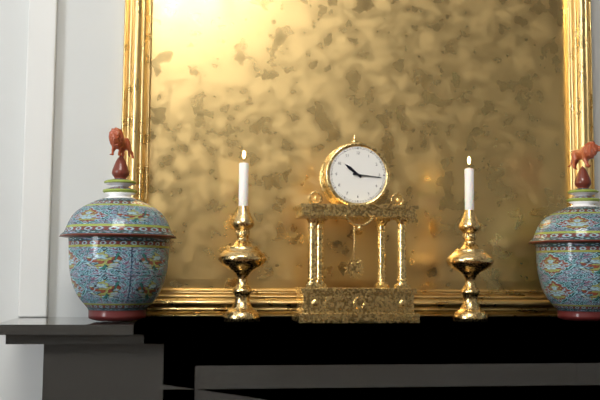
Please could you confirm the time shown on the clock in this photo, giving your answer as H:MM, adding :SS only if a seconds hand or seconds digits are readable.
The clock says 10:16
